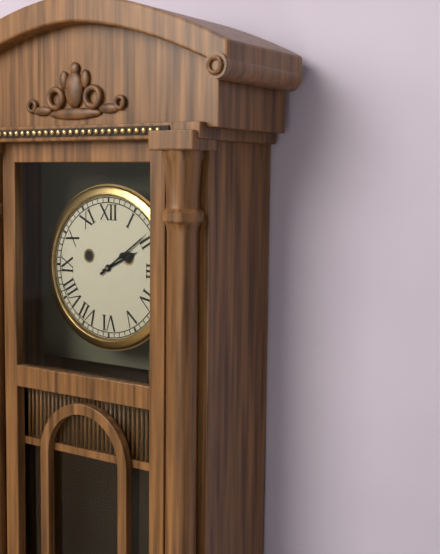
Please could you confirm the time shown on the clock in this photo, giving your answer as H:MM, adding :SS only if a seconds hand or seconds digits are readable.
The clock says 2:09
